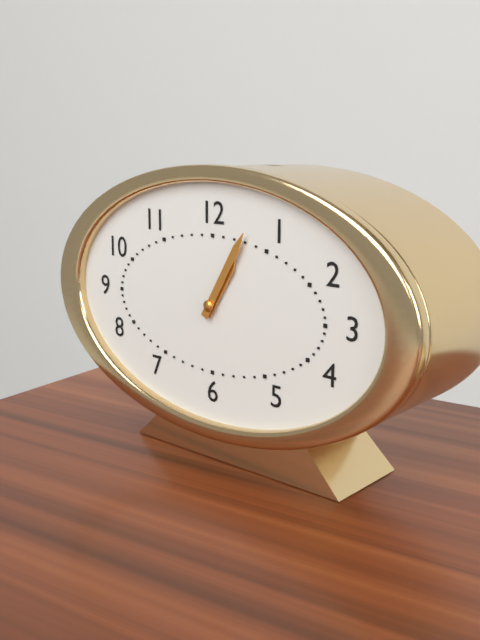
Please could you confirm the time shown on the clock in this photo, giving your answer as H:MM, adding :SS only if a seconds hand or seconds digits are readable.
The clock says 1:05
